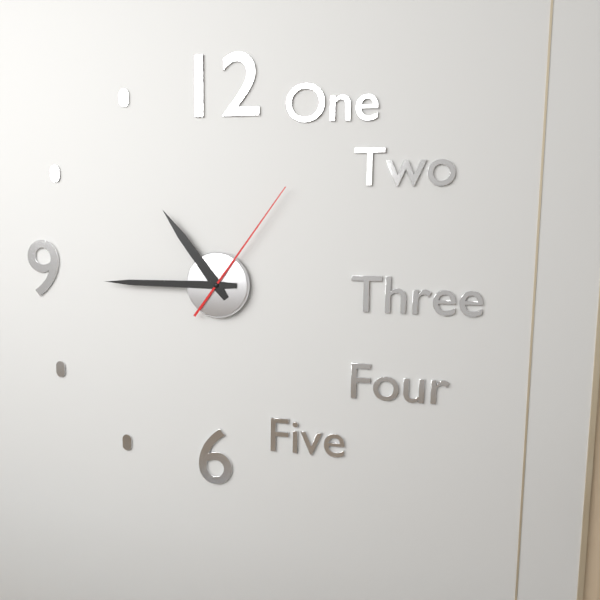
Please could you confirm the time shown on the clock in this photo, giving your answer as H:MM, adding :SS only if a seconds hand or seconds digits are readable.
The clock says 10:45:06
